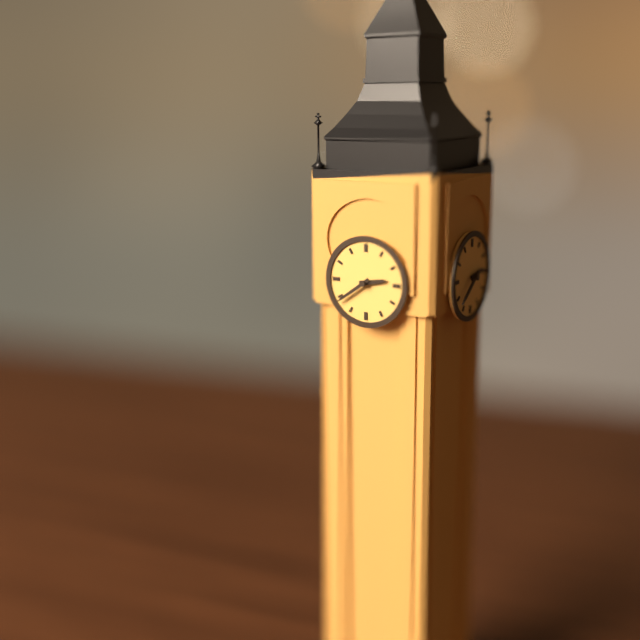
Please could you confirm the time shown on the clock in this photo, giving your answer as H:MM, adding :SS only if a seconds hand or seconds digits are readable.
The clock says 2:39
